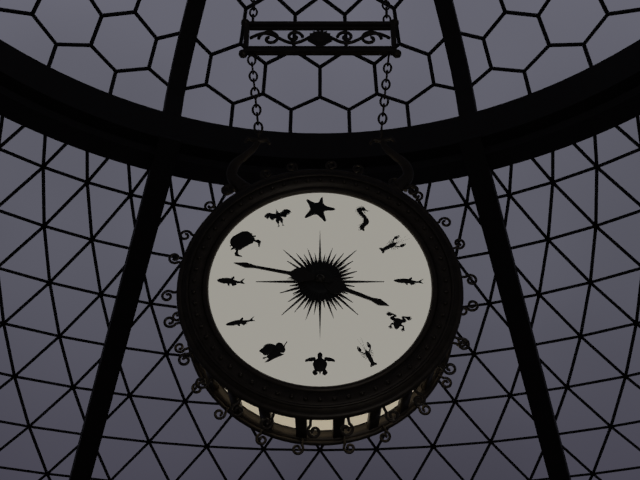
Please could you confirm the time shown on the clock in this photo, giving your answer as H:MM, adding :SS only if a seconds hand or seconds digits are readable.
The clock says 3:47
